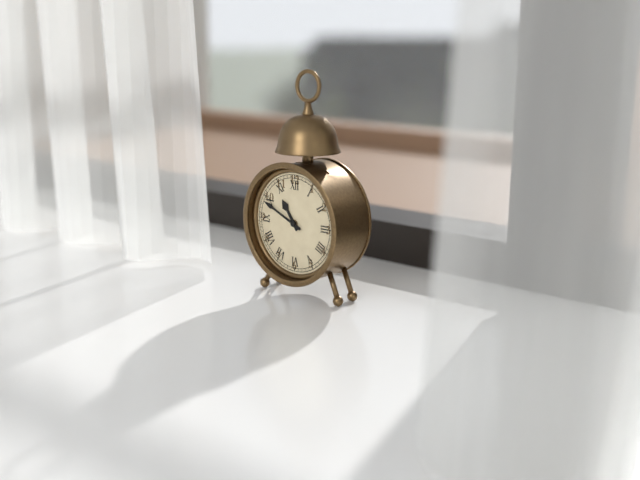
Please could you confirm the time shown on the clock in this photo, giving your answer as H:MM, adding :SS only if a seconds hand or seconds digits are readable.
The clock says 10:49
